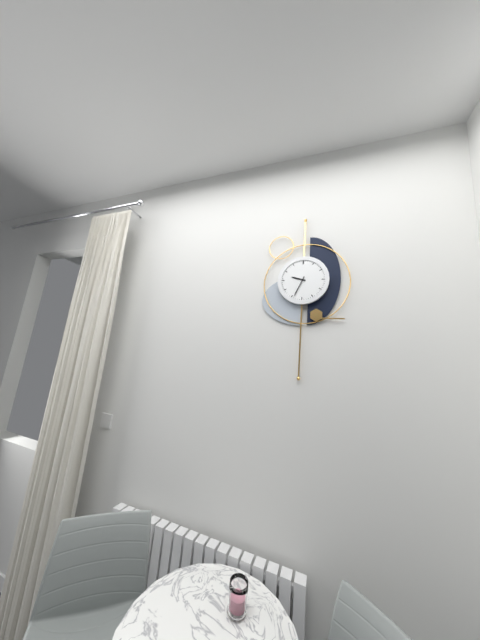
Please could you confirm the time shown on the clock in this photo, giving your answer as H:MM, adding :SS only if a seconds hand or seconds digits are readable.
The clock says 9:34
